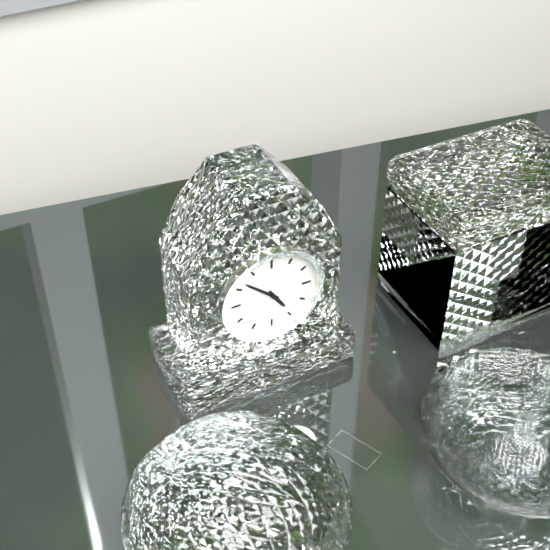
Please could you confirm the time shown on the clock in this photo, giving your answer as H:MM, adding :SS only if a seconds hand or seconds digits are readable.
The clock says 4:52
